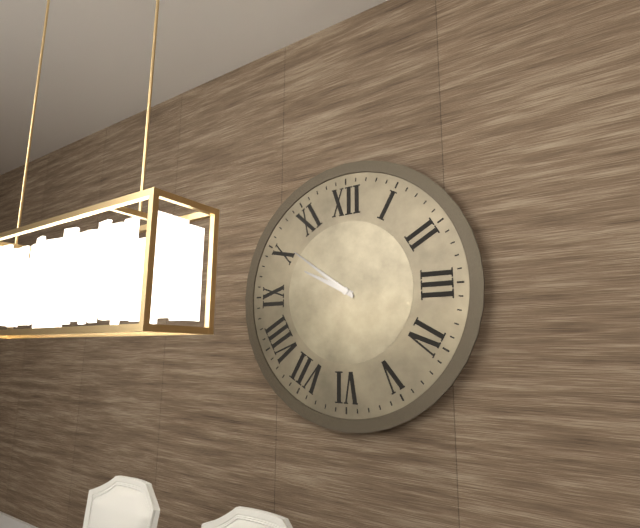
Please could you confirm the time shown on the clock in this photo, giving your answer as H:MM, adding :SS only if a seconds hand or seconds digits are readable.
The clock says 9:51
